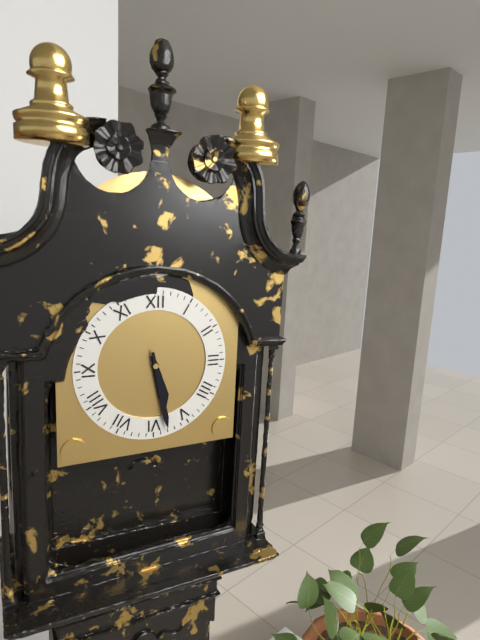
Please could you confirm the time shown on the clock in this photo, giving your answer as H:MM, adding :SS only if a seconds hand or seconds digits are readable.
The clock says 5:28
